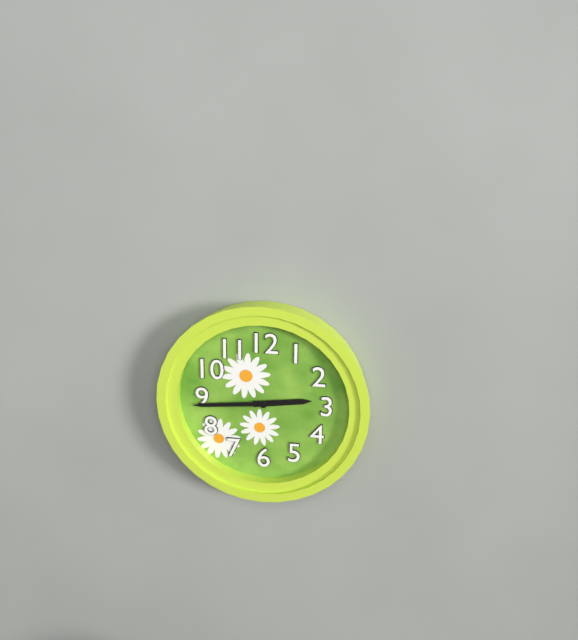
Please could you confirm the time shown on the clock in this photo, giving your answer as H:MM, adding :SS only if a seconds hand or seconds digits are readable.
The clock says 2:44
